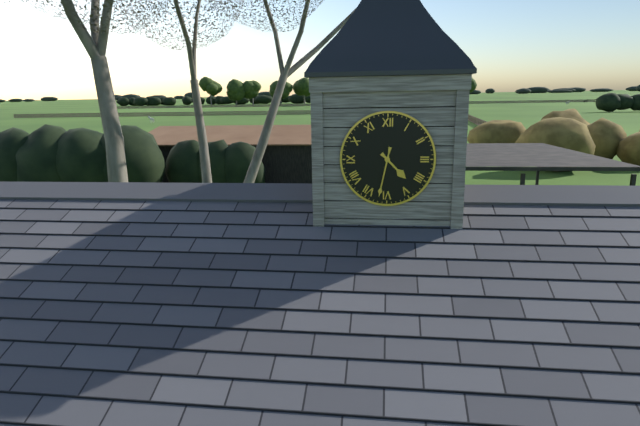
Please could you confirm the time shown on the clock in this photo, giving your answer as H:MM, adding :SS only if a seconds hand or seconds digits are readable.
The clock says 4:32
